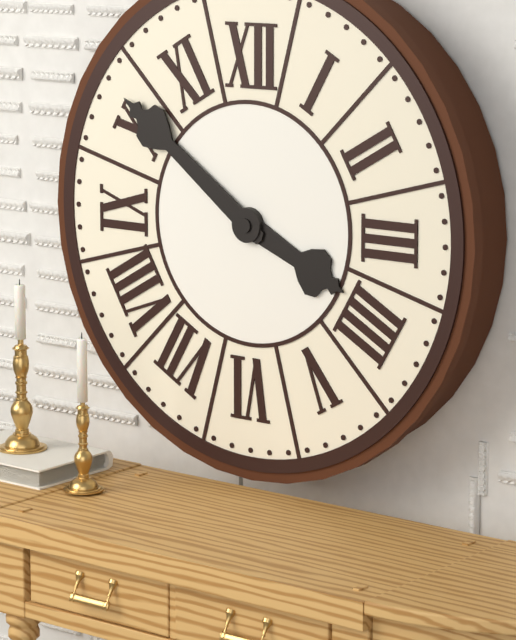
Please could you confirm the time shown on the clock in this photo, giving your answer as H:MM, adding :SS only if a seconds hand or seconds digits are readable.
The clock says 3:51
